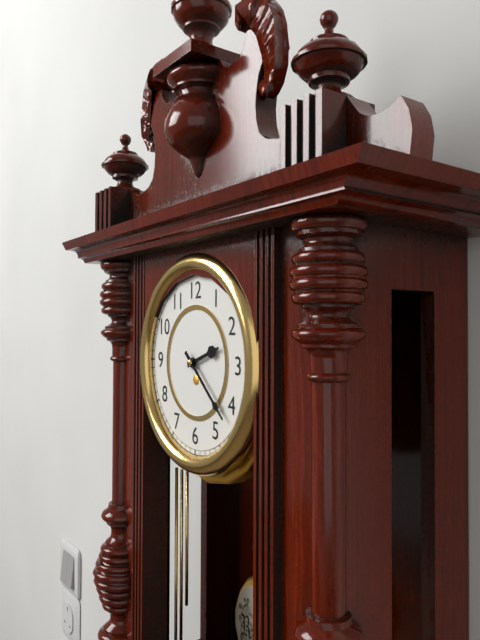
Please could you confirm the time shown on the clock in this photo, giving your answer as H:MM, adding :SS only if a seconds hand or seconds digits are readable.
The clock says 2:22
